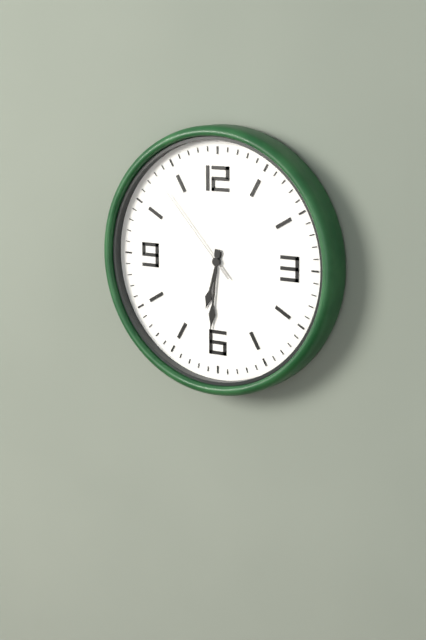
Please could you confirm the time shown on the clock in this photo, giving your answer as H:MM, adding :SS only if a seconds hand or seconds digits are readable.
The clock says 6:31:53
